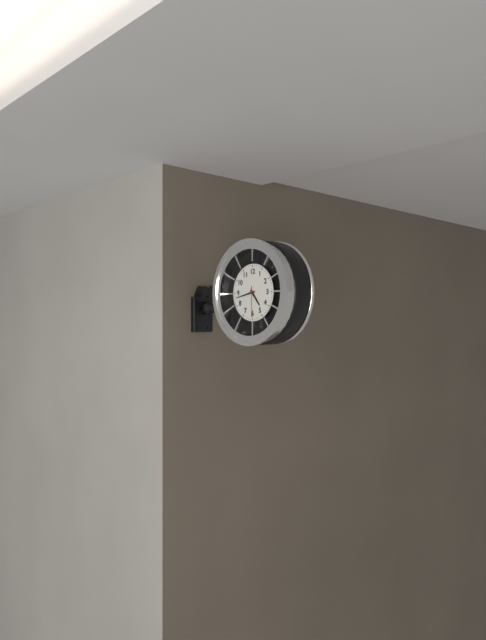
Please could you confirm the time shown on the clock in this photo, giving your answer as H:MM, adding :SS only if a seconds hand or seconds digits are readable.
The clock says 4:43
